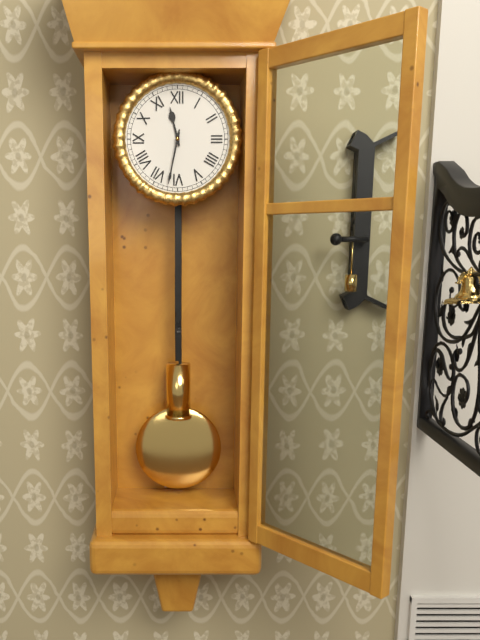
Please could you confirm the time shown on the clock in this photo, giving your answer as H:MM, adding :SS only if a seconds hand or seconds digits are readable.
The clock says 11:32
